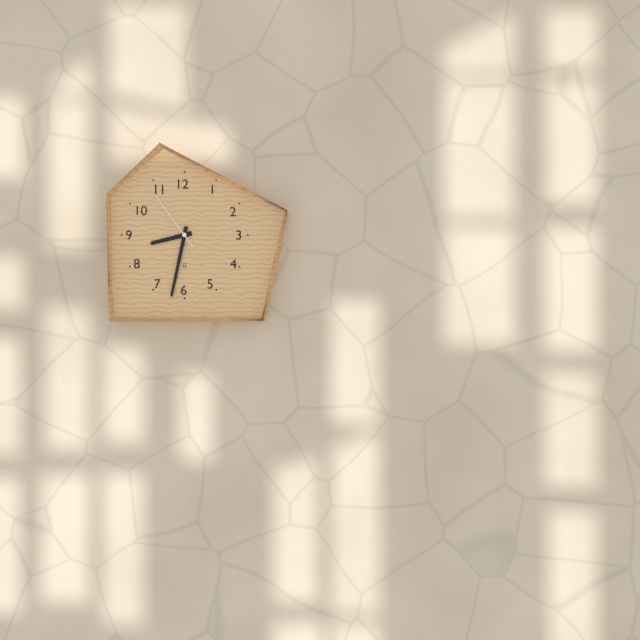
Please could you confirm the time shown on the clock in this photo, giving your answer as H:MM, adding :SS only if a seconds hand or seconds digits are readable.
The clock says 8:32:54
